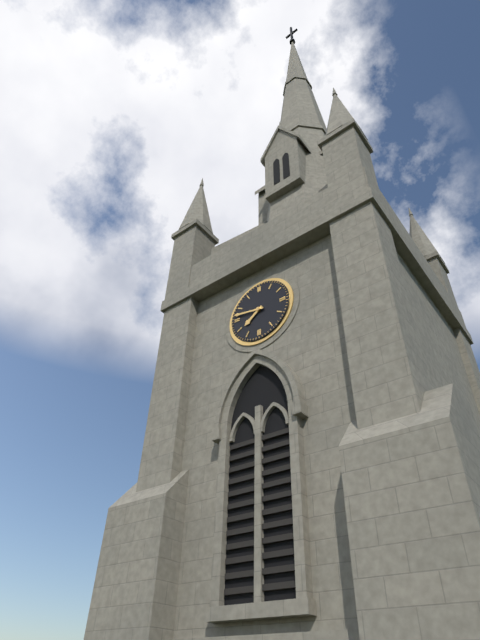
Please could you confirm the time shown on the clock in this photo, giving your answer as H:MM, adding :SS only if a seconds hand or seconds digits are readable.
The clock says 7:47
